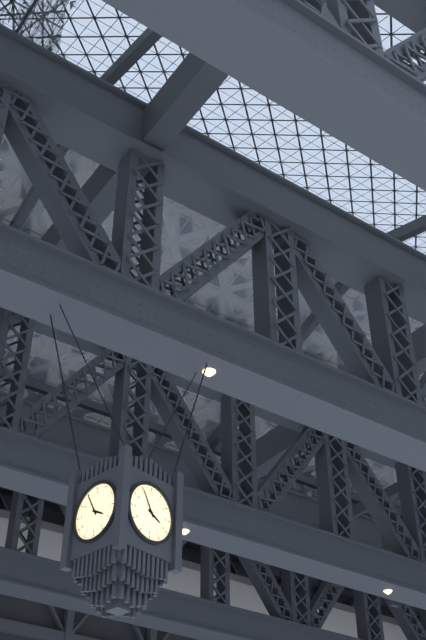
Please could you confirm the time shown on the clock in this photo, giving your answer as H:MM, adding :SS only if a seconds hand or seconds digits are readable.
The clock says 3:55
